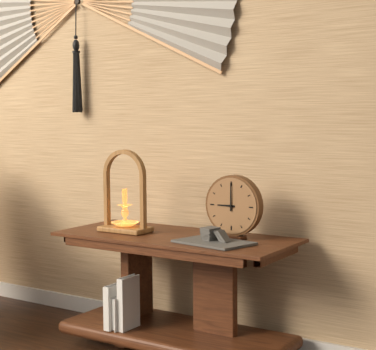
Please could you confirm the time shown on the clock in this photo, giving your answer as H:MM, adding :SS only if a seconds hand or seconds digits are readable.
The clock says 9:00
